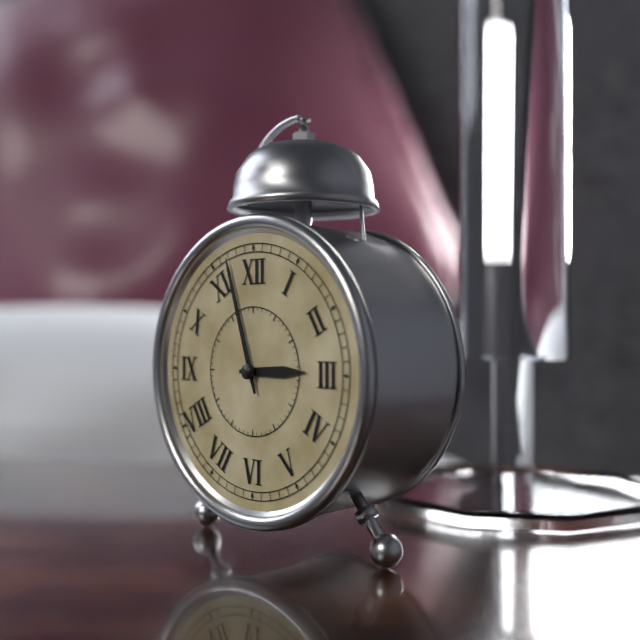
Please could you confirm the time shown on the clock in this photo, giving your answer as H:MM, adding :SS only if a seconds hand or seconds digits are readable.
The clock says 2:57
